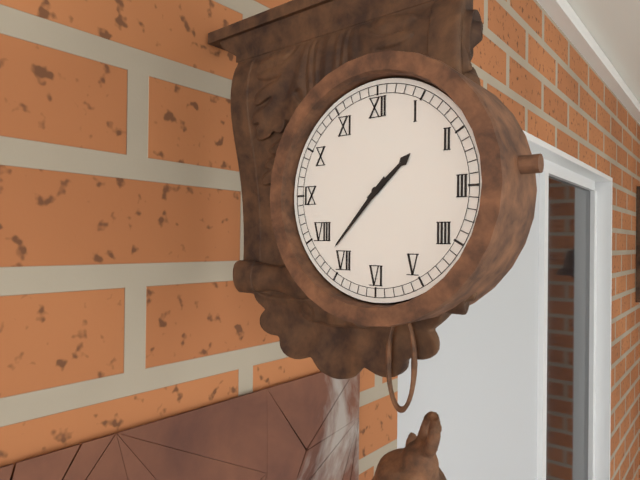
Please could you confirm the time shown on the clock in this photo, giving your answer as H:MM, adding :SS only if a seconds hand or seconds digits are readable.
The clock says 1:37
